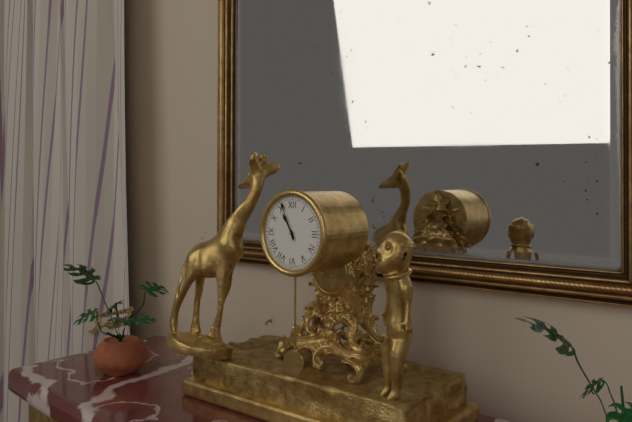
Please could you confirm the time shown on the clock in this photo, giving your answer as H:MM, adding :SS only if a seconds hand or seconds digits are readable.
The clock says 10:56
